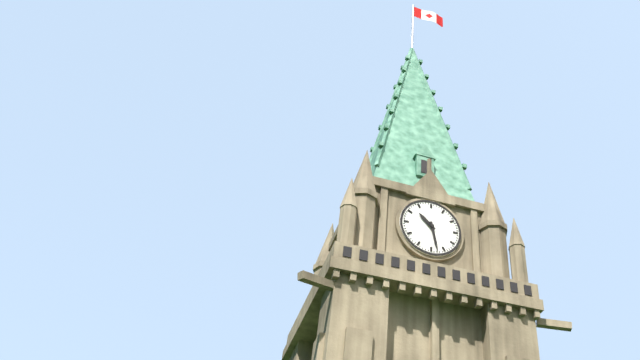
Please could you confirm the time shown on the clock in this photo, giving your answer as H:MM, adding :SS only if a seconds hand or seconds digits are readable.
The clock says 10:28
